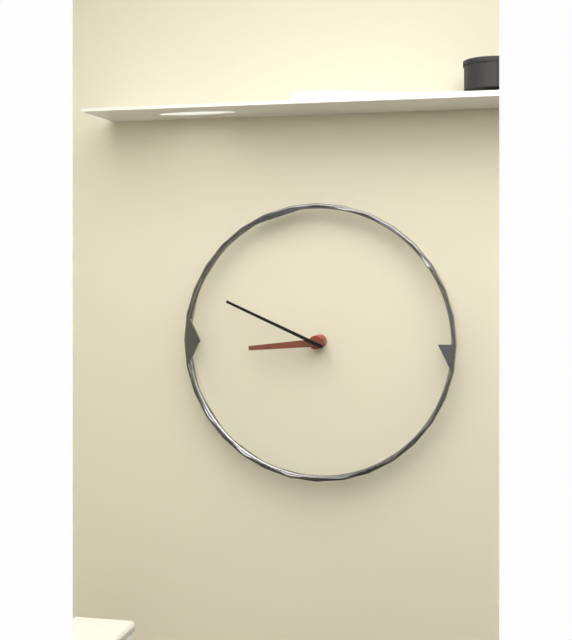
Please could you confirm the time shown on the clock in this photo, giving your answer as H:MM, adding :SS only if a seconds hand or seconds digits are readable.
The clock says 8:49
